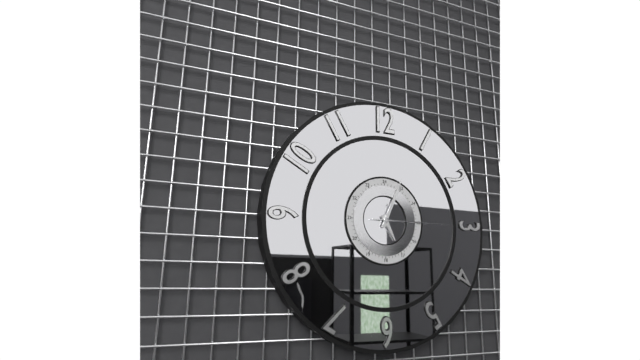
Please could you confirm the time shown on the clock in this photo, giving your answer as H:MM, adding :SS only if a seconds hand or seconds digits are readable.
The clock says 5:04:15
